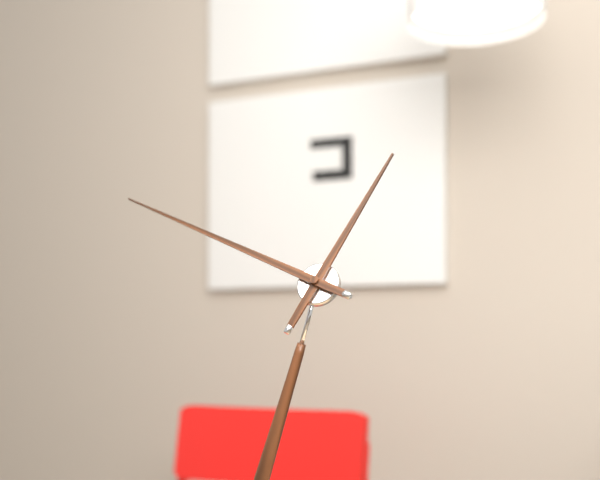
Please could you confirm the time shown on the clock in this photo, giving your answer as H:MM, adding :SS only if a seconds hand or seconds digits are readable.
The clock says 12:49
